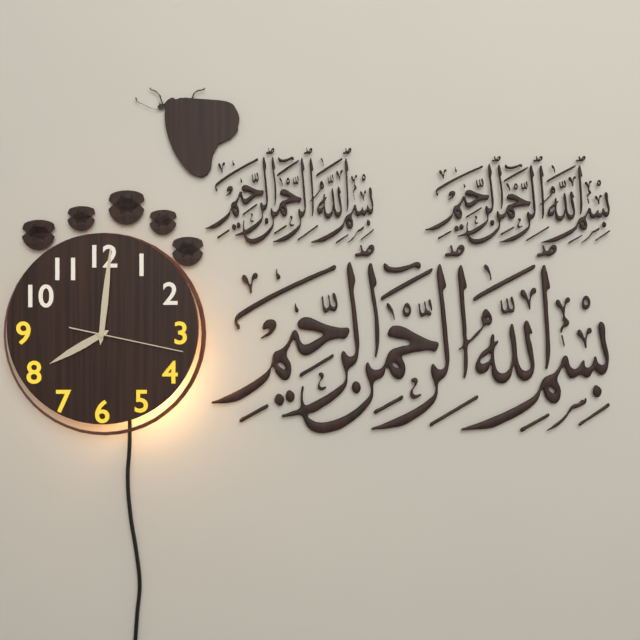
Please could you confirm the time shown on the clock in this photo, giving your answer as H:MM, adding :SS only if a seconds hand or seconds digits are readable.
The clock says 8:01:17
